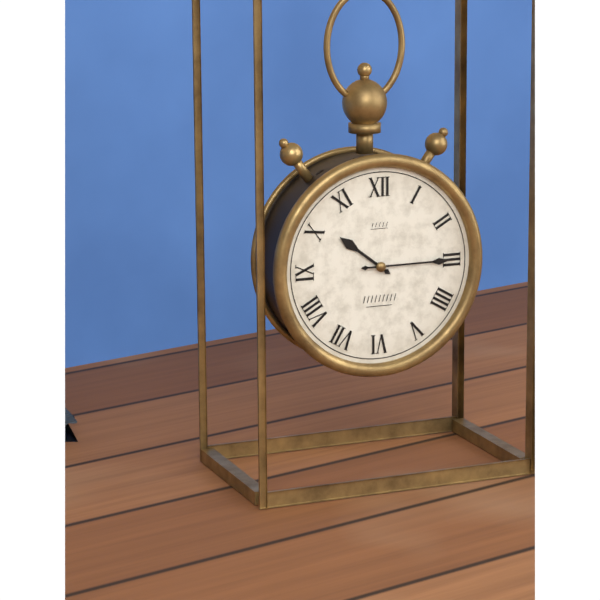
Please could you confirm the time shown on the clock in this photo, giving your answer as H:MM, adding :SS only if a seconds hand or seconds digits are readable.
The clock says 10:15
